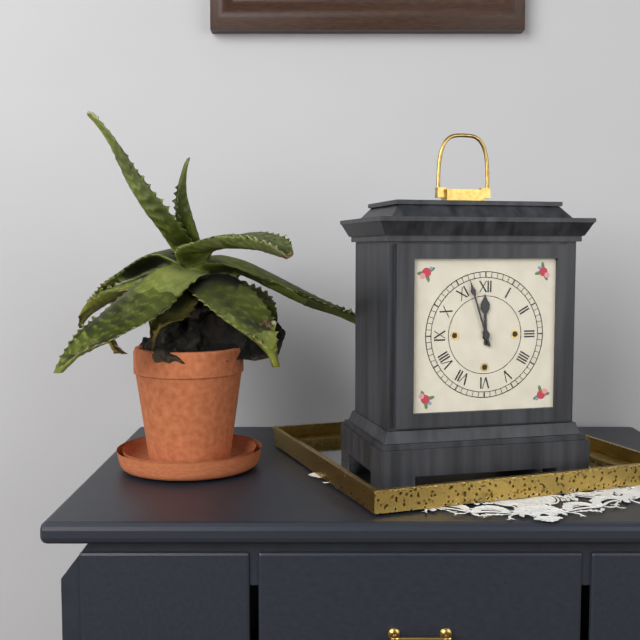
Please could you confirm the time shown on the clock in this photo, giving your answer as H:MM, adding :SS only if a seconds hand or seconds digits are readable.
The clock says 11:57
